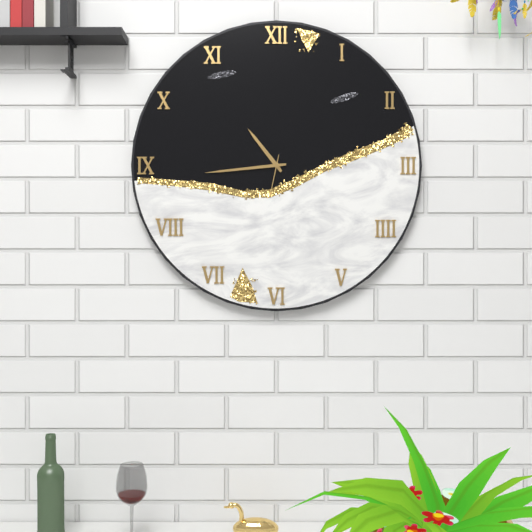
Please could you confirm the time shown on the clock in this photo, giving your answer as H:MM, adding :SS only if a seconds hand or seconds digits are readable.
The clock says 10:44
